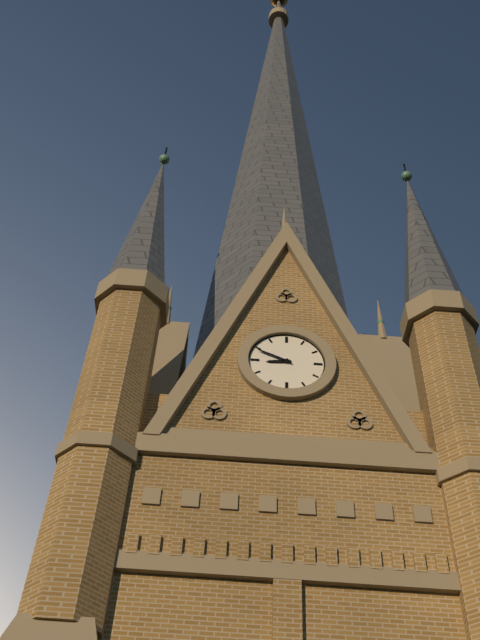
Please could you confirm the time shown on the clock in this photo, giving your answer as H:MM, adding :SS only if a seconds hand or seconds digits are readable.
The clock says 8:49
